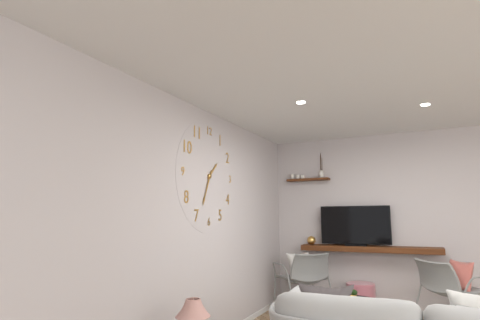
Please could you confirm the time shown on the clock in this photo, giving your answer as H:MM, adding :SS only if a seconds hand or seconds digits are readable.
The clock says 1:34
